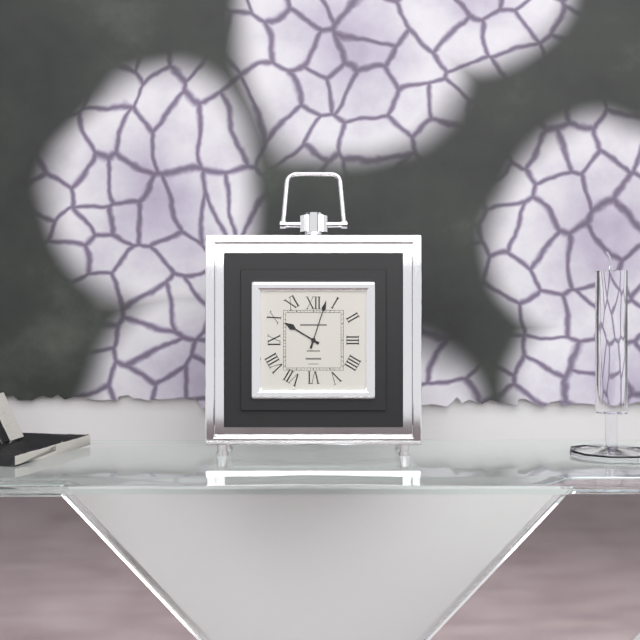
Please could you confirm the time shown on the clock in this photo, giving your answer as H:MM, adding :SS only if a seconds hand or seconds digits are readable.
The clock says 10:03
